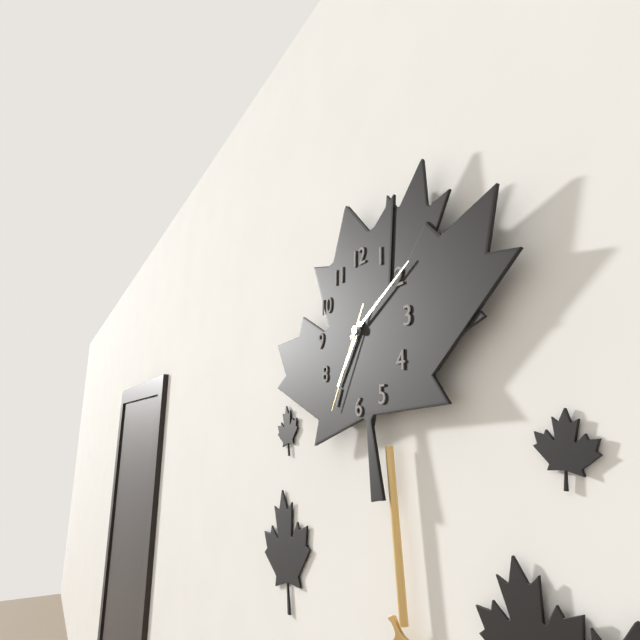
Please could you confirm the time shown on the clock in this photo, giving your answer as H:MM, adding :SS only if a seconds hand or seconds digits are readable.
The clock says 7:10:35
